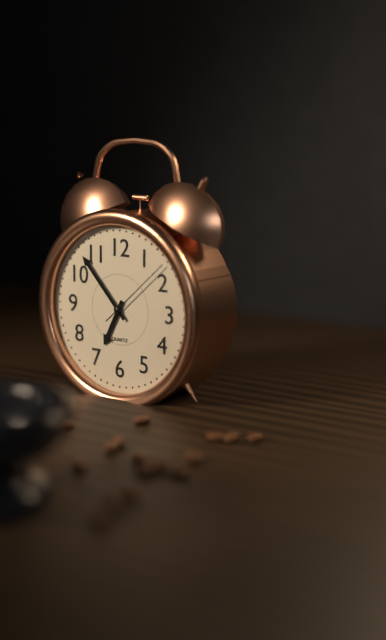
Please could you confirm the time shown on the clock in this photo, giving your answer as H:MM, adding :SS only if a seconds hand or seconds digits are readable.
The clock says 6:53:08
